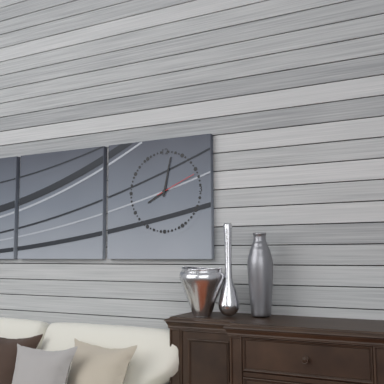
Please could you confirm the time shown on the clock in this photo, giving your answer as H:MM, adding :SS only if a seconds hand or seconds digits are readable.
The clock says 8:02
